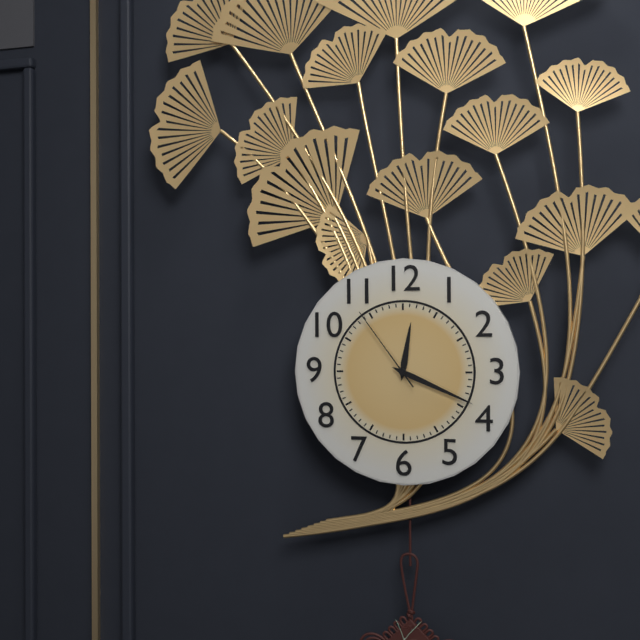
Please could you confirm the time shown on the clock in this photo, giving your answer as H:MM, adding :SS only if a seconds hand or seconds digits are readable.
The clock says 12:19:54
